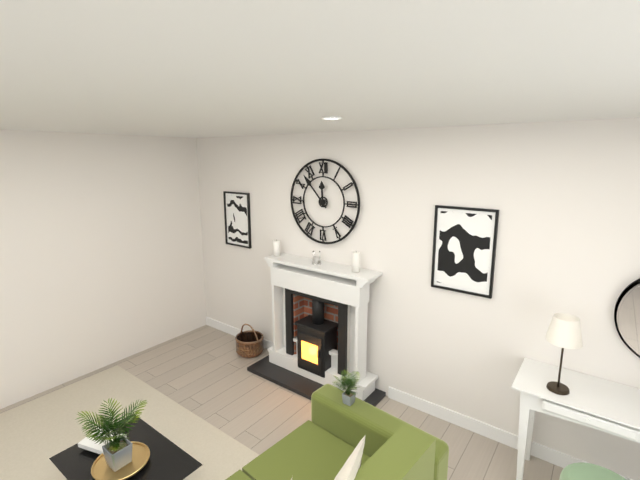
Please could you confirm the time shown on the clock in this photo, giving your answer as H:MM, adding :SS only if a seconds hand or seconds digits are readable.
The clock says 11:53
